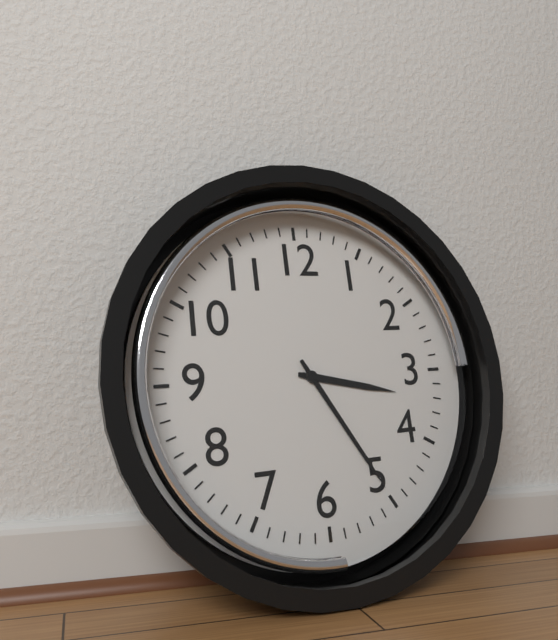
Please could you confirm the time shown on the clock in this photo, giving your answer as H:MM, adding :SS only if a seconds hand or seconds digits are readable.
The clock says 3:25
